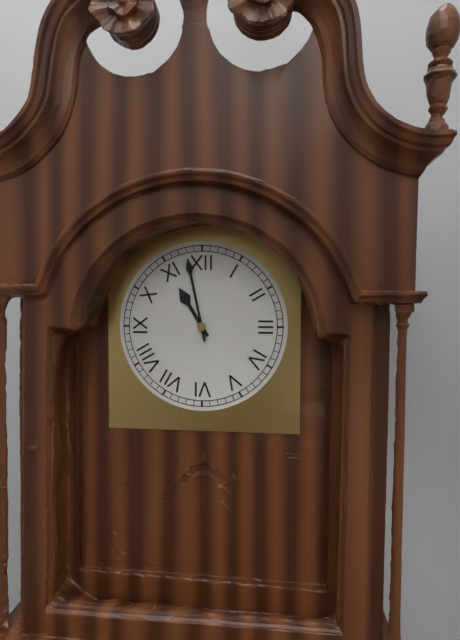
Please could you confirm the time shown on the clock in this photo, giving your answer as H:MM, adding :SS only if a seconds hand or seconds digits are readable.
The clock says 10:58
